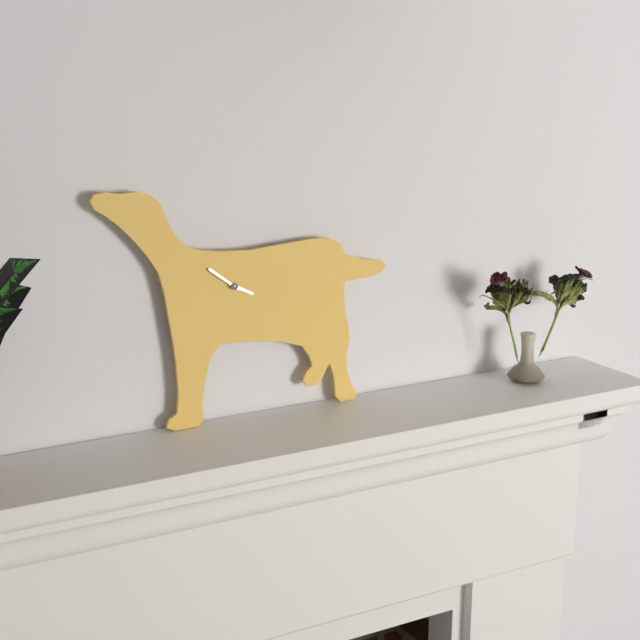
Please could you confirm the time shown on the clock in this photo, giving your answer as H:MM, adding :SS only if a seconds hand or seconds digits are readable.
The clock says 3:51
